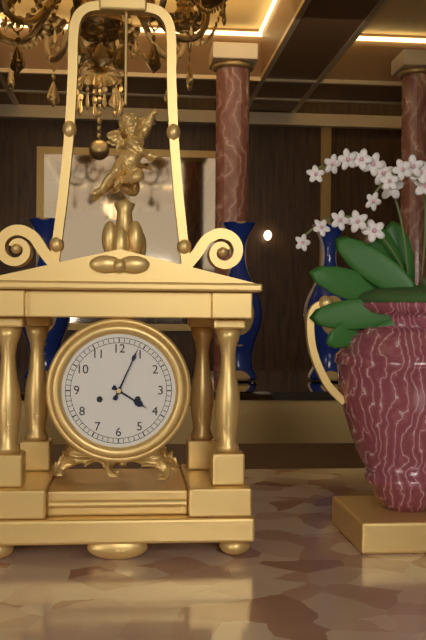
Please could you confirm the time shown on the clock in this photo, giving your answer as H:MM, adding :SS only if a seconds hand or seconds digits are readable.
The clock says 4:04
